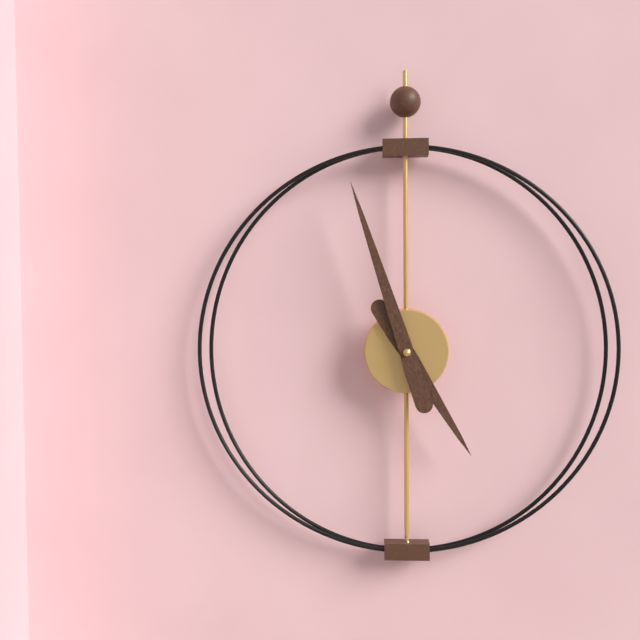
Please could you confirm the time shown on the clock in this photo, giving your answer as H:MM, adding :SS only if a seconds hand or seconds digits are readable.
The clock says 4:57
